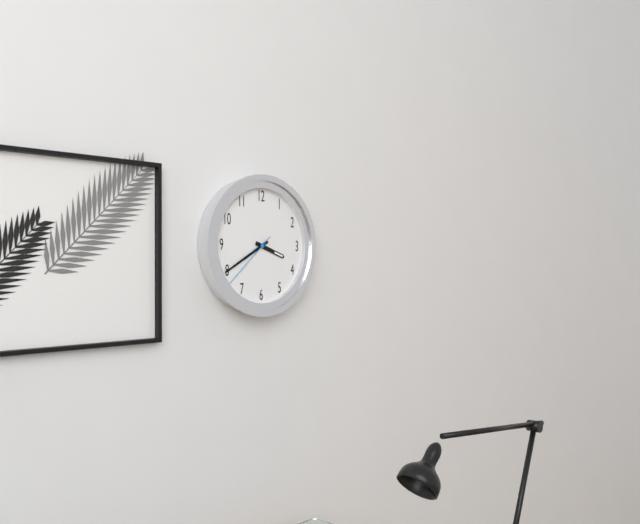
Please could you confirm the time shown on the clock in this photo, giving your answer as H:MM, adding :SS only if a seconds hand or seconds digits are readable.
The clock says 3:40:38
